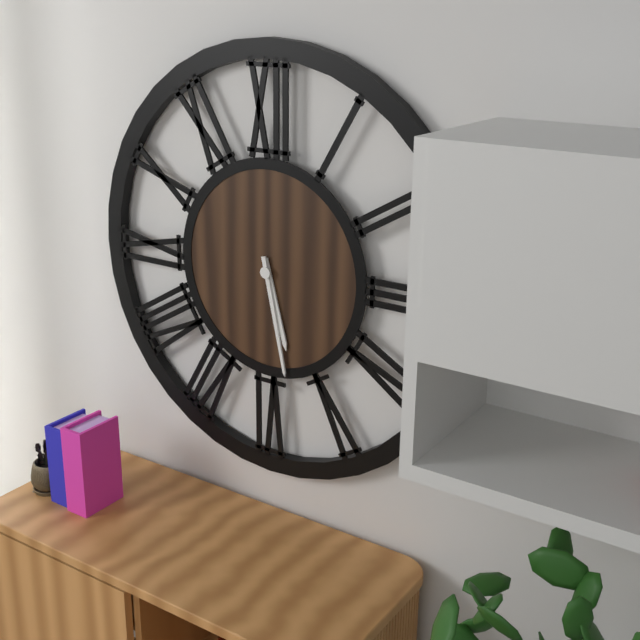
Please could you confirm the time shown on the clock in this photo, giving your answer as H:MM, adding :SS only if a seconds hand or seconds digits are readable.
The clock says 5:28
